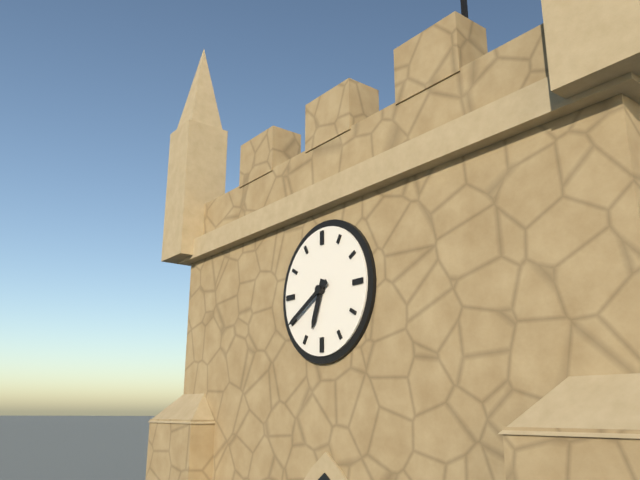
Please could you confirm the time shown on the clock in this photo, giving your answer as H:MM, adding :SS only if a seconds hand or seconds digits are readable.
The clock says 6:40
